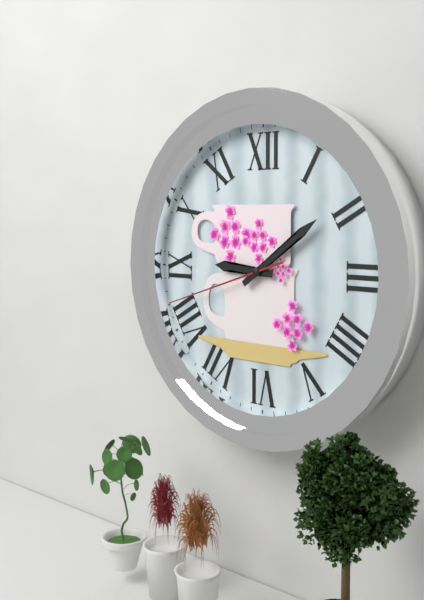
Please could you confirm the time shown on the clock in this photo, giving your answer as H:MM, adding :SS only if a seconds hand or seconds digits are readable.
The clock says 9:09:42
